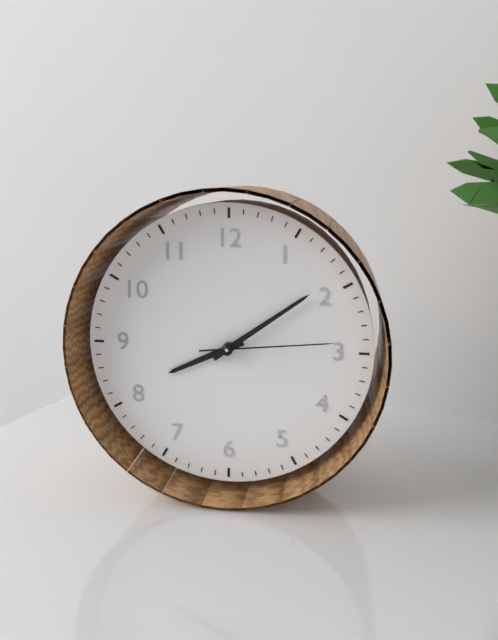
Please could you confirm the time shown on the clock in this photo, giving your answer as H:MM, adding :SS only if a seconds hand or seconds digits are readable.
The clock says 8:09:14
